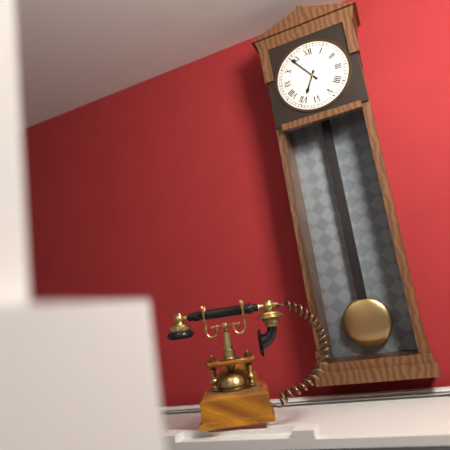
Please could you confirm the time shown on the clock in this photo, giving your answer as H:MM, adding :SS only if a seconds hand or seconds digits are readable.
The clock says 6:54
